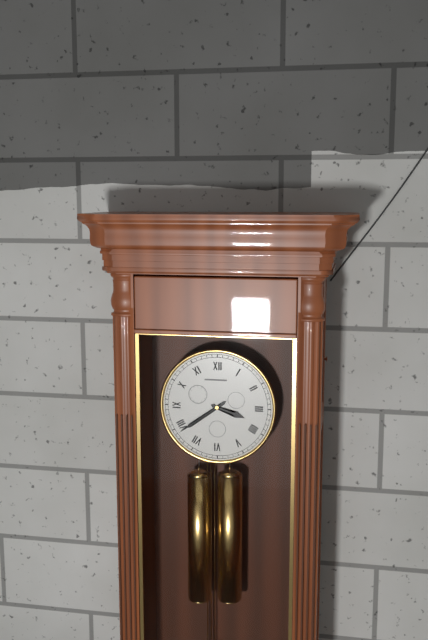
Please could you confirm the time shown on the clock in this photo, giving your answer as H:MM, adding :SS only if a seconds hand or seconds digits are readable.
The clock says 3:39
